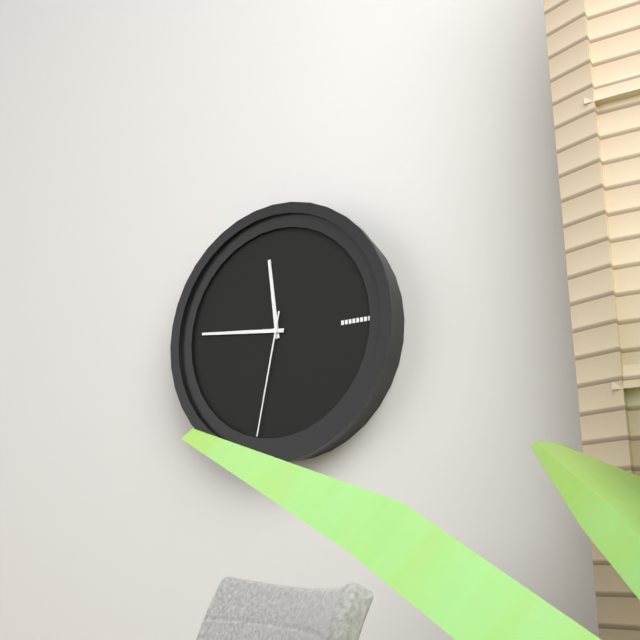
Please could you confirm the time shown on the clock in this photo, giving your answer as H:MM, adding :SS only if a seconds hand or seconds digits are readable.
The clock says 11:46:32
